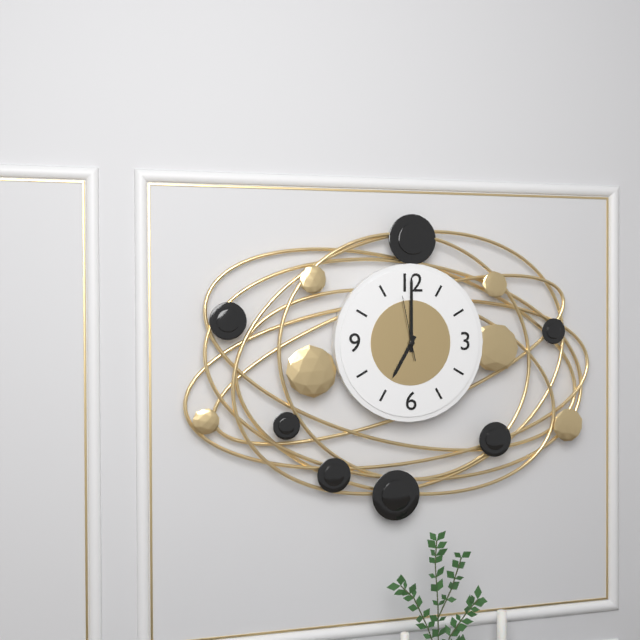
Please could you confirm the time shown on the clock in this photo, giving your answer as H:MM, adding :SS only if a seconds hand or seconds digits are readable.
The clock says 7:00:58
